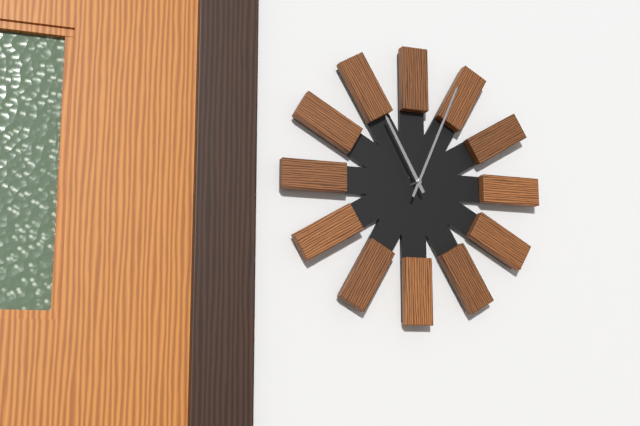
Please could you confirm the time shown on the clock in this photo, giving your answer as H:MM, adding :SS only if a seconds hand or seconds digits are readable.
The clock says 11:04
